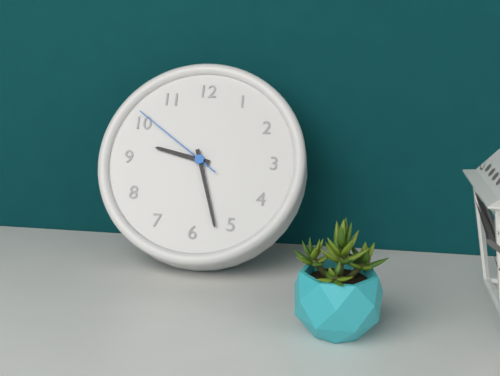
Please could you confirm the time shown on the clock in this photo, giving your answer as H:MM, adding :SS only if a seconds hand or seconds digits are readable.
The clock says 9:27:51
